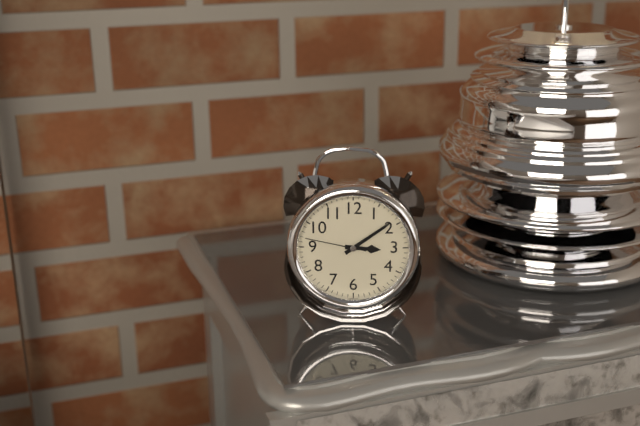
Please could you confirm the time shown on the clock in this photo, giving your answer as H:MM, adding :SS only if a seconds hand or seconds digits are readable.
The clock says 3:09:47
